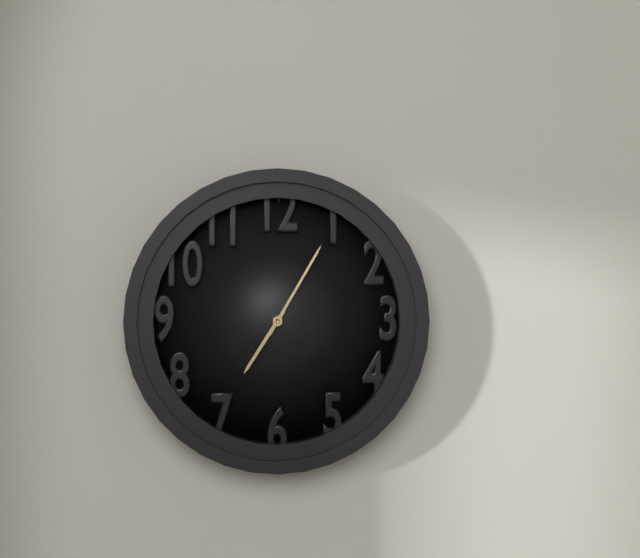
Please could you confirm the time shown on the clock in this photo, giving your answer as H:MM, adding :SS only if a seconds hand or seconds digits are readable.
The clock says 7:05
